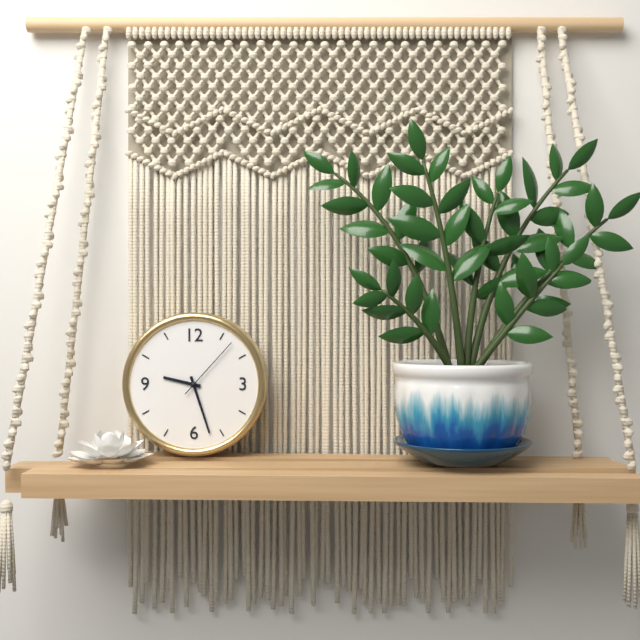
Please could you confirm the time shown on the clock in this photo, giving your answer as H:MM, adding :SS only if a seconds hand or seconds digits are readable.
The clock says 9:27:07
